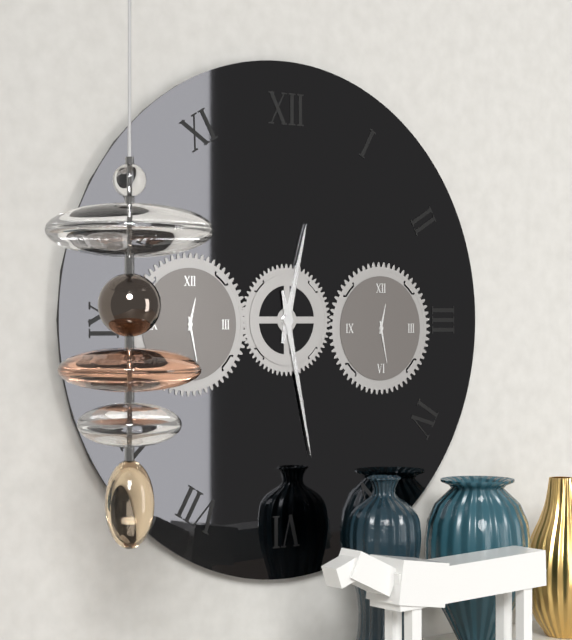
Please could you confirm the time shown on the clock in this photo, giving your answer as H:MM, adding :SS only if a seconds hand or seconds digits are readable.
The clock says 12:28
